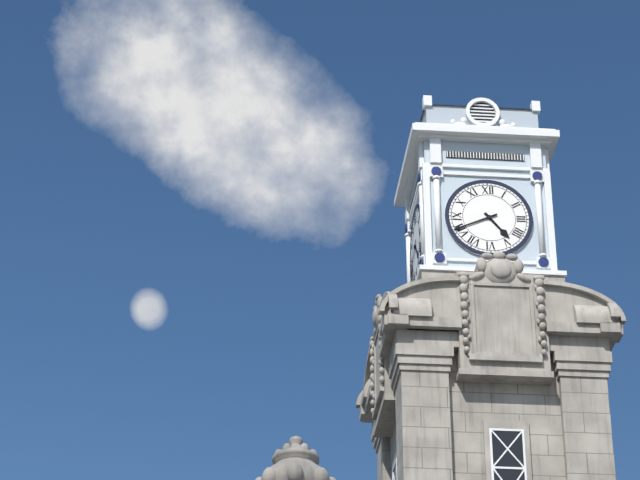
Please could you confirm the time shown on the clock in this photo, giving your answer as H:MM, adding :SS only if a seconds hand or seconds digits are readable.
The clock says 4:41
